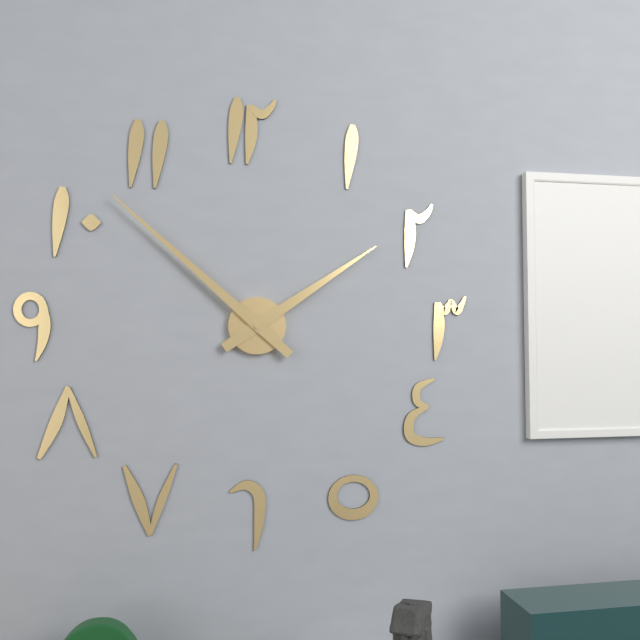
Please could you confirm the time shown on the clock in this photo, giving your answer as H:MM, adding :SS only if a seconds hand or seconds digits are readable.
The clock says 1:52
